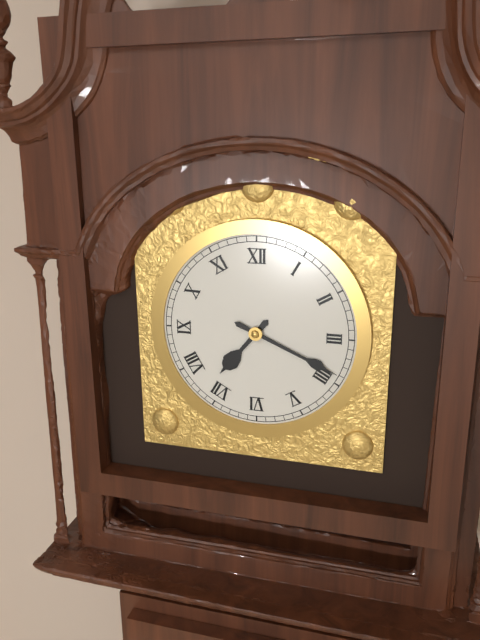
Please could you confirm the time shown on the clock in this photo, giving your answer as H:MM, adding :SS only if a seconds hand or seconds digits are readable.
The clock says 7:19
